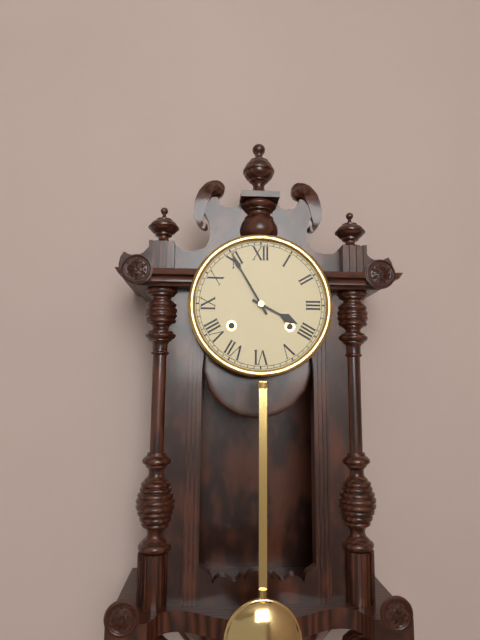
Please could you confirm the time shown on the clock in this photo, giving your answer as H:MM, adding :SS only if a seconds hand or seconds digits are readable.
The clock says 3:55
